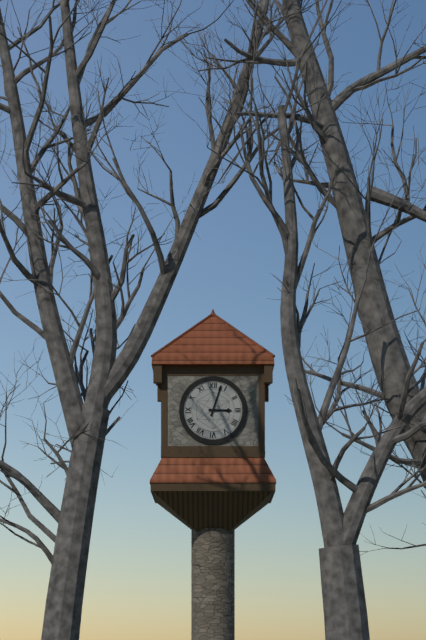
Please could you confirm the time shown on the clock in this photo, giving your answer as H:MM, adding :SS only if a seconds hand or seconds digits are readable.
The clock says 3:03
